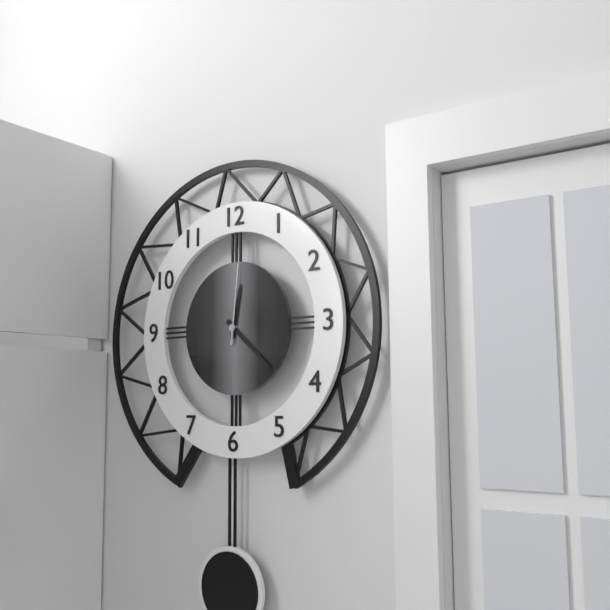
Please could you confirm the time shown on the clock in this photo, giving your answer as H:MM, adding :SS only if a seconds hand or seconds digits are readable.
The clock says 12:22:01
